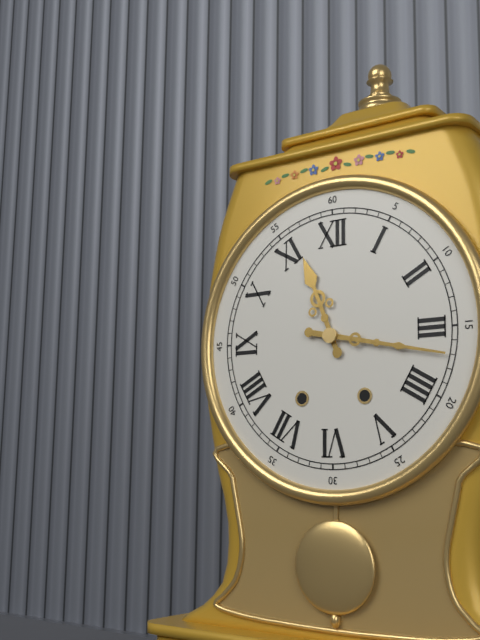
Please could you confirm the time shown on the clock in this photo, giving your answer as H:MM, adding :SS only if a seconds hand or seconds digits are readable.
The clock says 11:17
